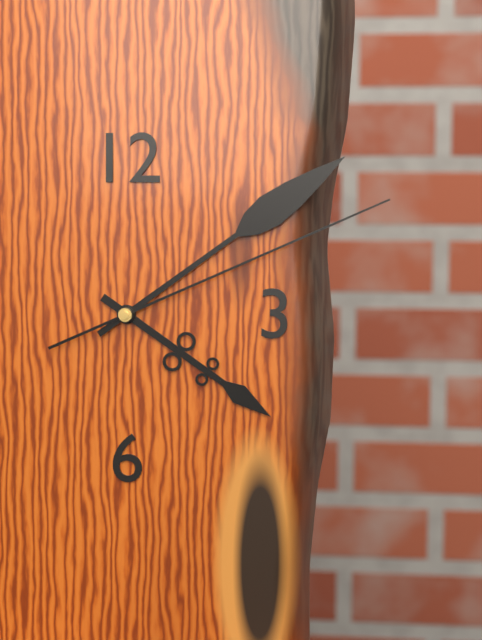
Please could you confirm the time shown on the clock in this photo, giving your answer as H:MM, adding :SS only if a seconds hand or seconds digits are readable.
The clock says 4:09:11
